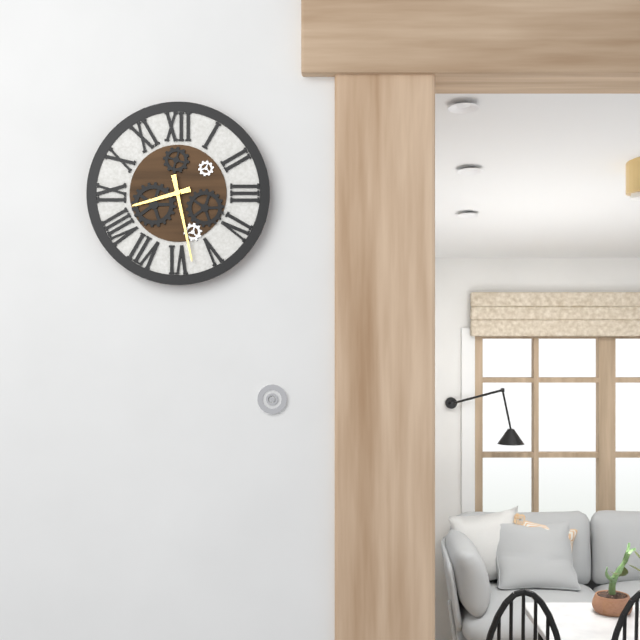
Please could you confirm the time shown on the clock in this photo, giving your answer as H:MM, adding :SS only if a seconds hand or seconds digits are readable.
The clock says 8:28
